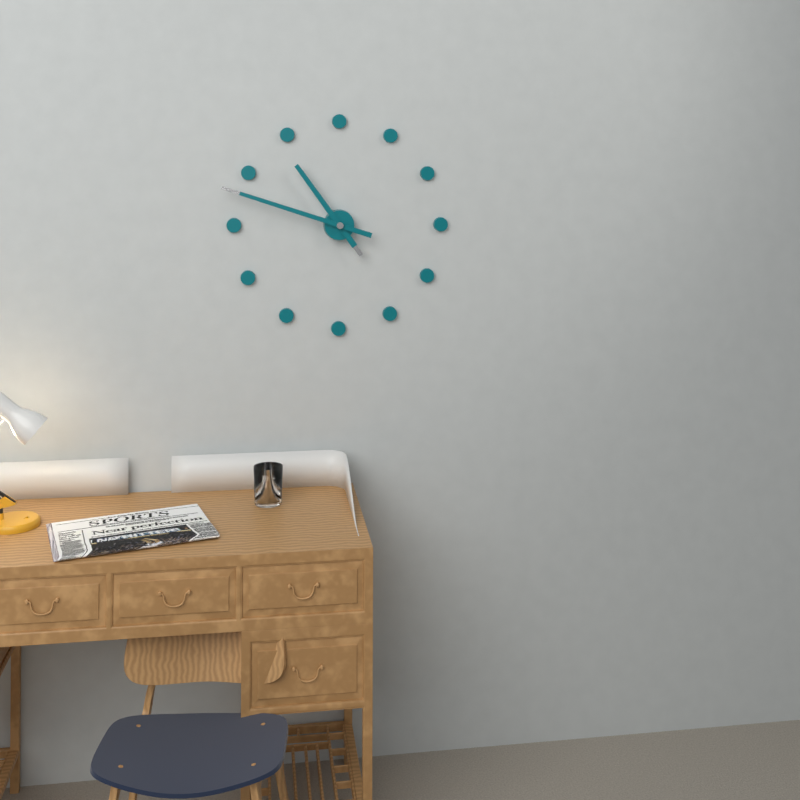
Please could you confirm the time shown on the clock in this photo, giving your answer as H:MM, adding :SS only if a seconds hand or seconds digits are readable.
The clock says 10:48
